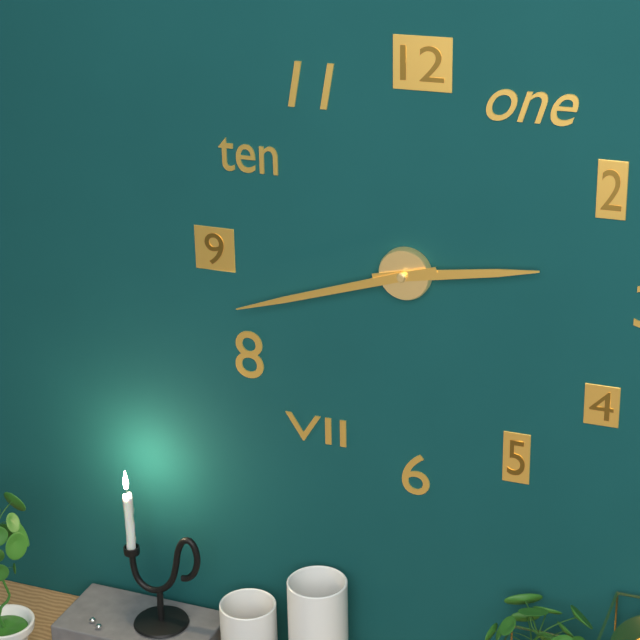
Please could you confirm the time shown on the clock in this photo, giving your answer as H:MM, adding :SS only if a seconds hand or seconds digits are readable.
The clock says 2:42
